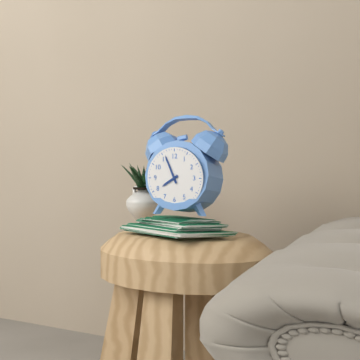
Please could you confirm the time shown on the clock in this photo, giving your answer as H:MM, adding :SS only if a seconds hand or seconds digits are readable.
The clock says 7:56
